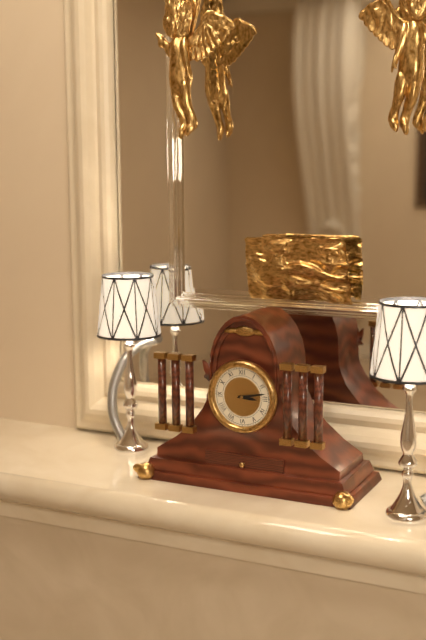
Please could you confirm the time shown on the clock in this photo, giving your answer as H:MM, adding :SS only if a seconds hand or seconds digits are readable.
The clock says 3:13
